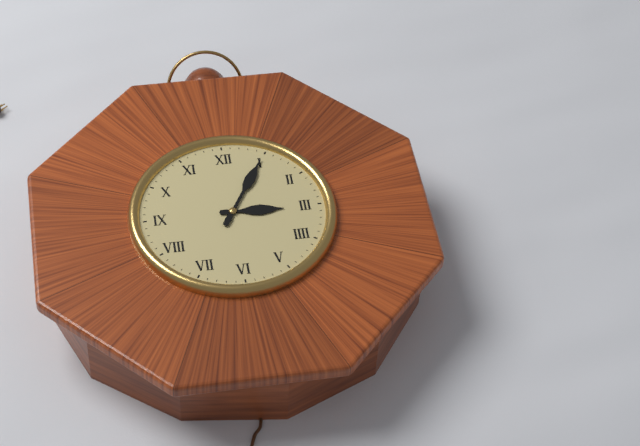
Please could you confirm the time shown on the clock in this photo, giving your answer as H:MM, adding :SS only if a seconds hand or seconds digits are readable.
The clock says 3:05
